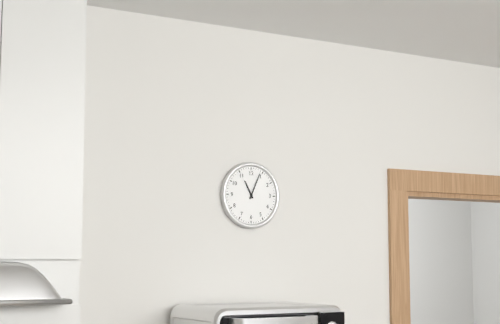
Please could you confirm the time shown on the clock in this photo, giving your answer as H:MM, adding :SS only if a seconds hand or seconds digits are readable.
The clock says 11:04
